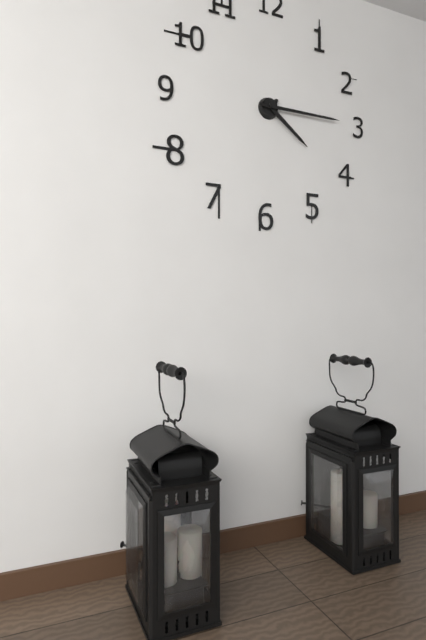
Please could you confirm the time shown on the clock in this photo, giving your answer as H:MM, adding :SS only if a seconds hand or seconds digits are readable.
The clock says 4:15
